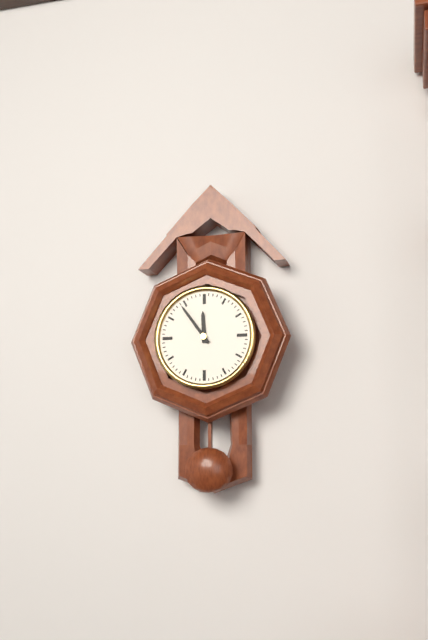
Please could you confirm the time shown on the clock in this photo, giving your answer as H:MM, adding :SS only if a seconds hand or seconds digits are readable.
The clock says 11:54
